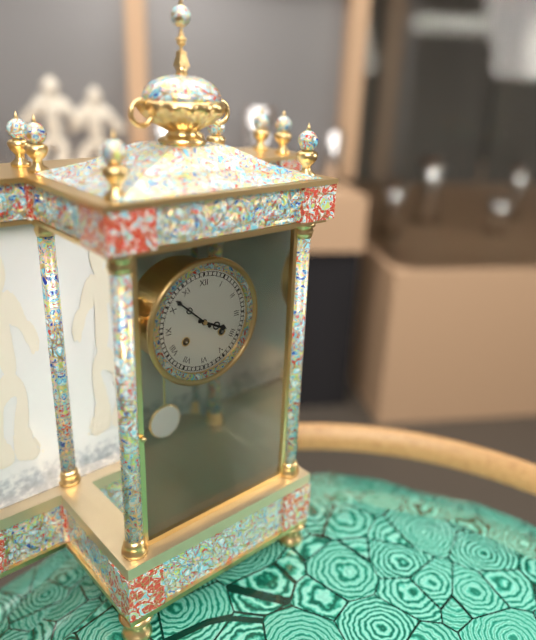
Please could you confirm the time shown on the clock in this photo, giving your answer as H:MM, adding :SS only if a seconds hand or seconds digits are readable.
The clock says 3:52
